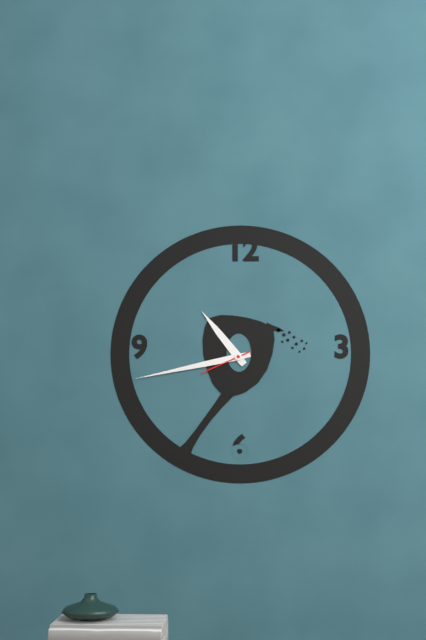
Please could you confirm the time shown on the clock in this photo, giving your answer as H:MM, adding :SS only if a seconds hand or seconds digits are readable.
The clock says 10:43:41
